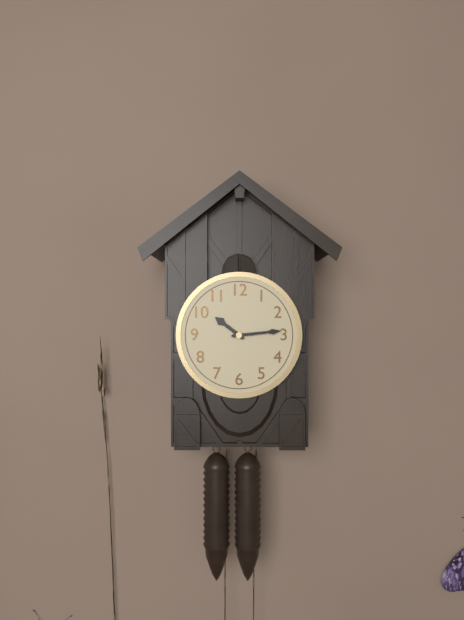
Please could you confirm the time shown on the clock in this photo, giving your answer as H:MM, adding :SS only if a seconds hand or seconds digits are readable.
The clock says 10:14
